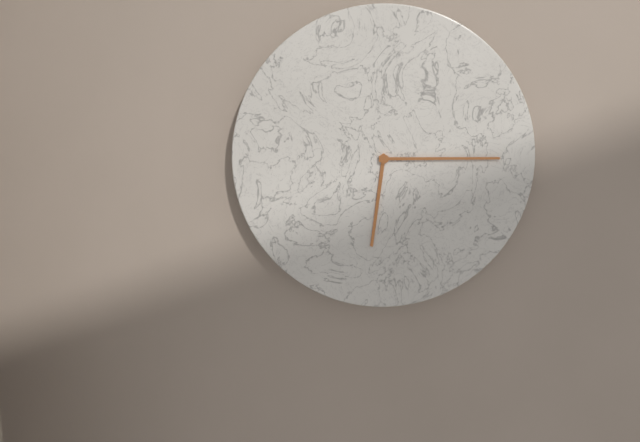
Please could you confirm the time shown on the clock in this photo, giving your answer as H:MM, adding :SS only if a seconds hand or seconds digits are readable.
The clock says 6:15
